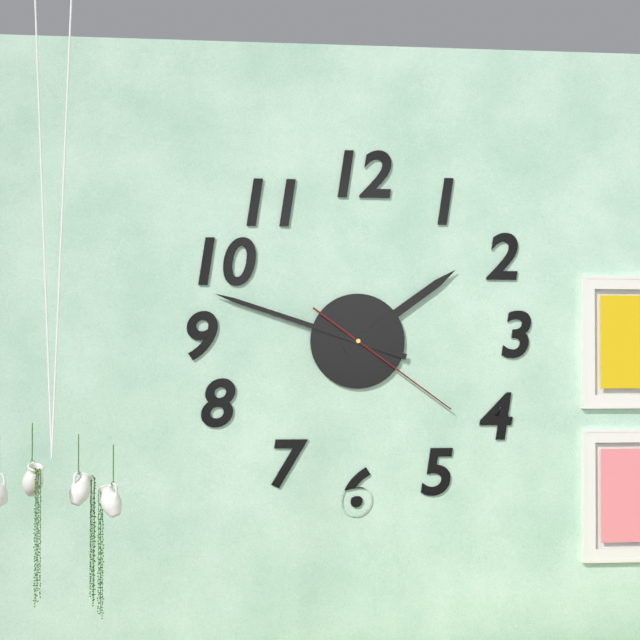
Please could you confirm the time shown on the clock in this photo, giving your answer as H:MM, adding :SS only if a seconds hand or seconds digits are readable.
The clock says 1:48:21
